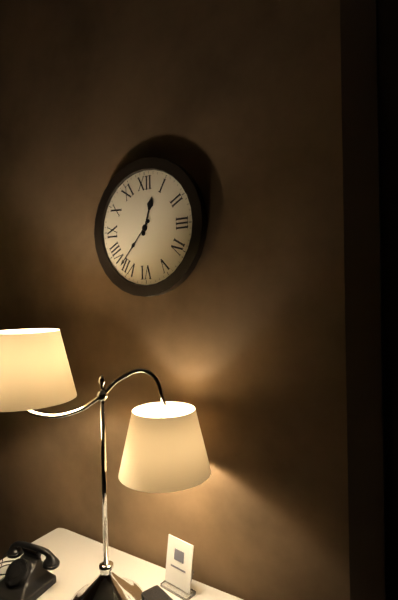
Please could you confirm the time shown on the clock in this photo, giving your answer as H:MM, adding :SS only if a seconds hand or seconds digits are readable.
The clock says 12:37
